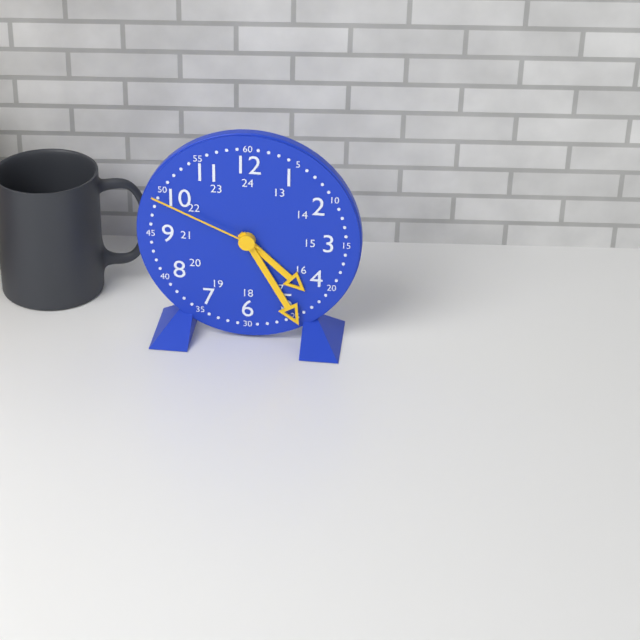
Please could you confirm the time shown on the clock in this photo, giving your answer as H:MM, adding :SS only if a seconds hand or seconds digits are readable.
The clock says 4:25:49
